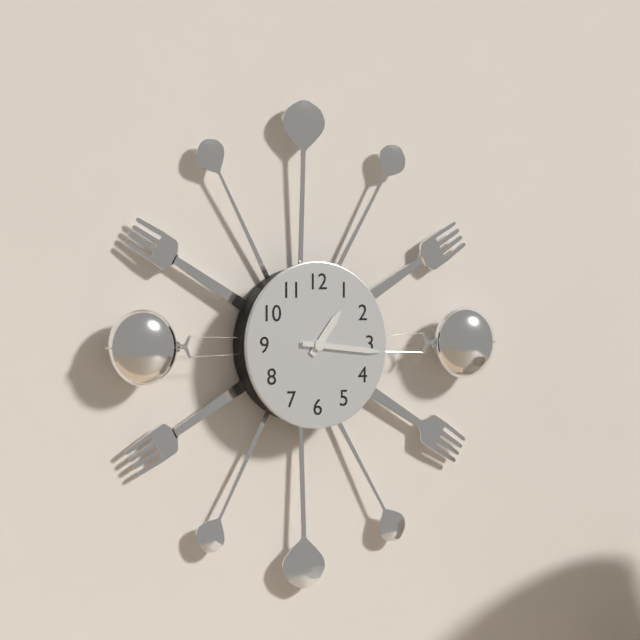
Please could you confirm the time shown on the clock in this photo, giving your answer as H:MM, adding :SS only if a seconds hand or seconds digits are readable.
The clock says 1:16
